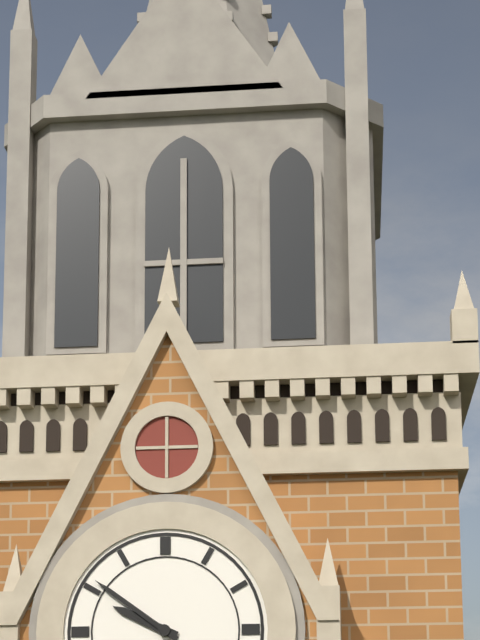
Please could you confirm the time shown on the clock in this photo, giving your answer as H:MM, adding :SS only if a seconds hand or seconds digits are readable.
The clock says 9:51
